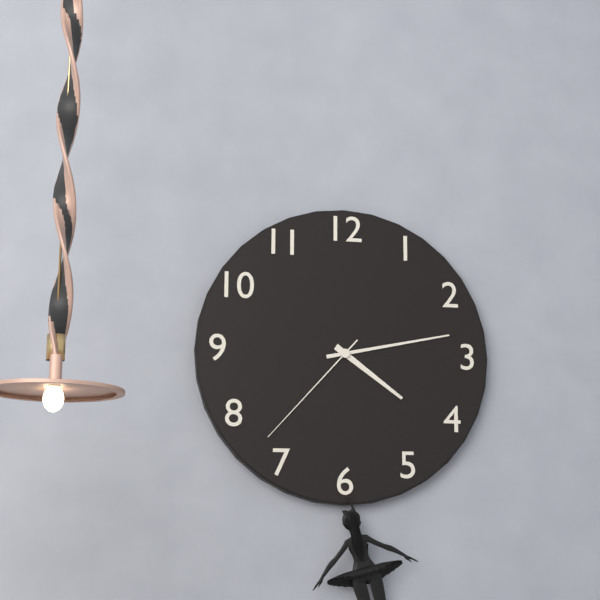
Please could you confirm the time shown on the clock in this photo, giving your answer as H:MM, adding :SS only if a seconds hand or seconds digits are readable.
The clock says 4:13:37
